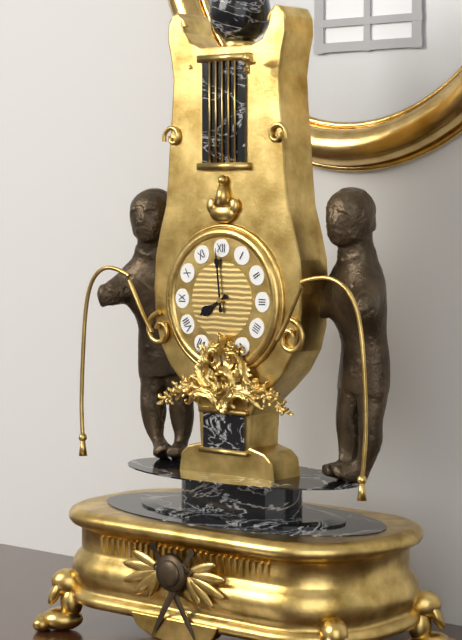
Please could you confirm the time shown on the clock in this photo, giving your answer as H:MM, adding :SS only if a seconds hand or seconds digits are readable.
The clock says 7:59
